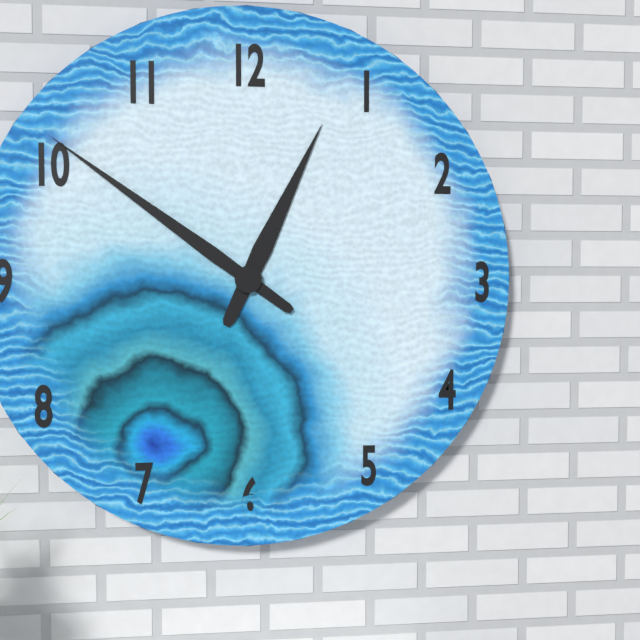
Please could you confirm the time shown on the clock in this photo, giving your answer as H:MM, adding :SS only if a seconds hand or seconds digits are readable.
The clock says 12:51
